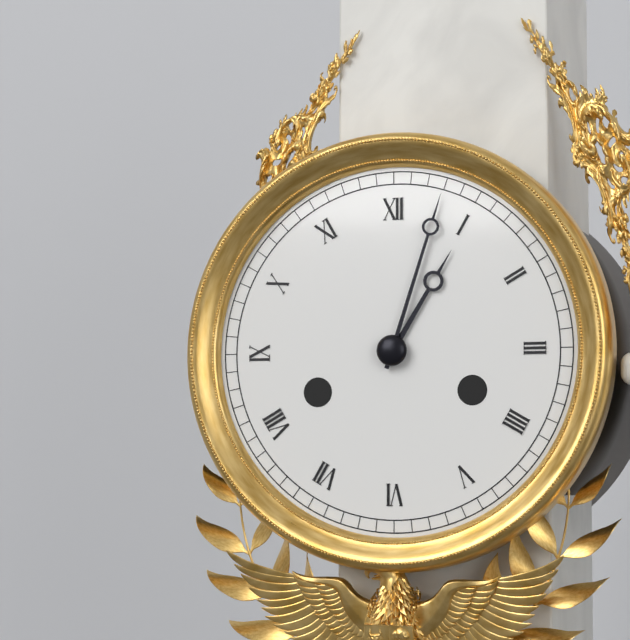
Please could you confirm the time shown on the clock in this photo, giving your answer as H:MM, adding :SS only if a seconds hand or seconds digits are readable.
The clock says 1:03
